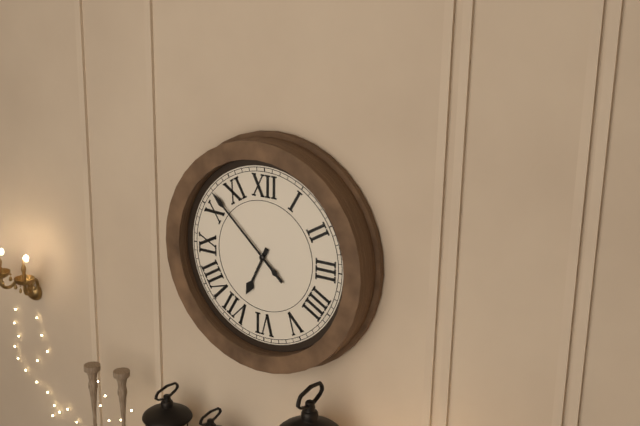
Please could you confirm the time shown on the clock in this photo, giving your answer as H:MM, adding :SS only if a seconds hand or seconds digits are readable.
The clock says 6:52
